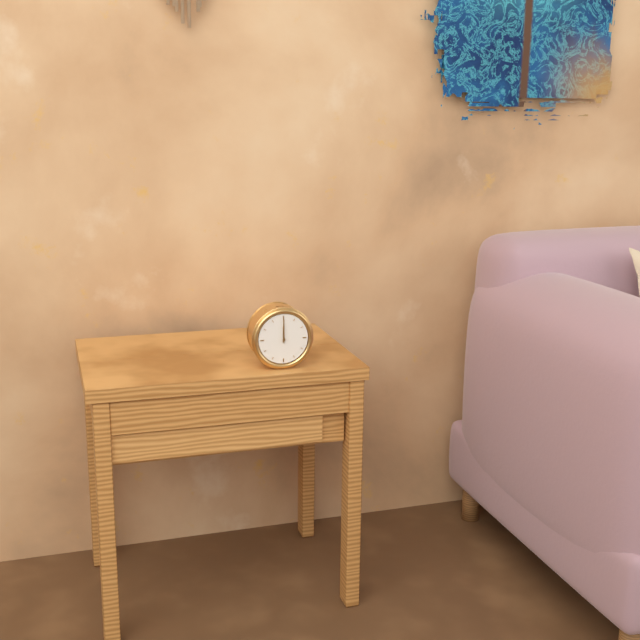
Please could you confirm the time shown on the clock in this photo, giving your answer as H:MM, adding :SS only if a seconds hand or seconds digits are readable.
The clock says 12:00
